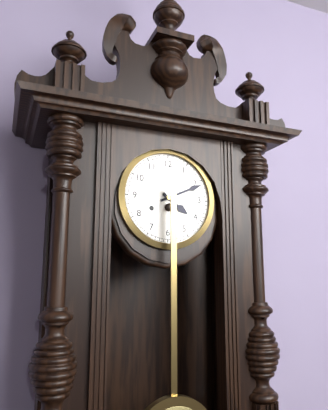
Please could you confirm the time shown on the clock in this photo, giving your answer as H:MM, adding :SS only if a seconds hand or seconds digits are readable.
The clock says 4:11
